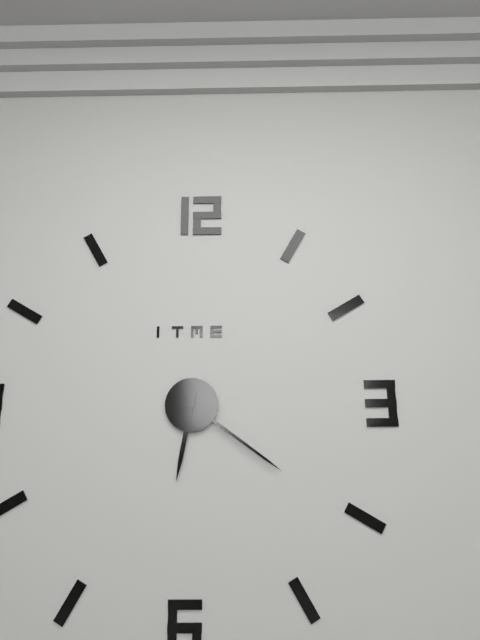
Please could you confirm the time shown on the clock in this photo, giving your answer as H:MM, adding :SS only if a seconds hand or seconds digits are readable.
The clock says 6:21
